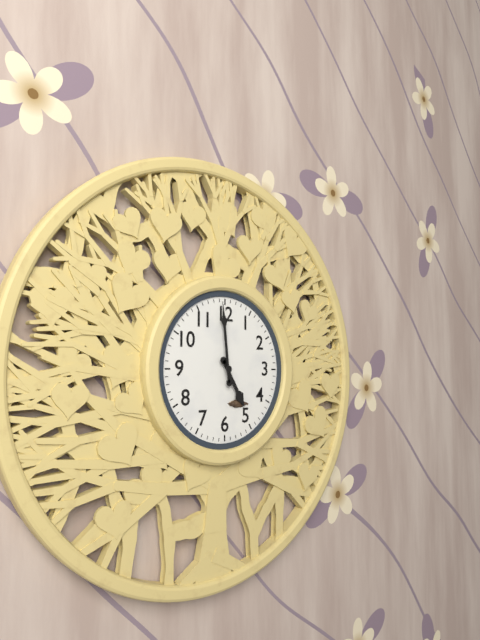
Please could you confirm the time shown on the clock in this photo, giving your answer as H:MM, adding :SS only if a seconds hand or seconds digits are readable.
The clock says 4:59
